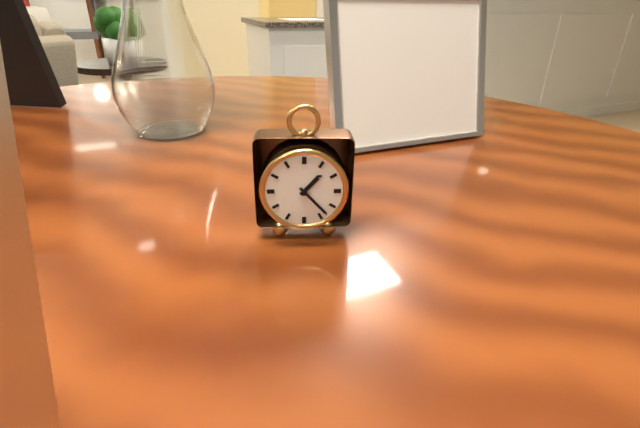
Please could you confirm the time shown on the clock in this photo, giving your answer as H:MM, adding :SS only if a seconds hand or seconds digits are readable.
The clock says 1:23
